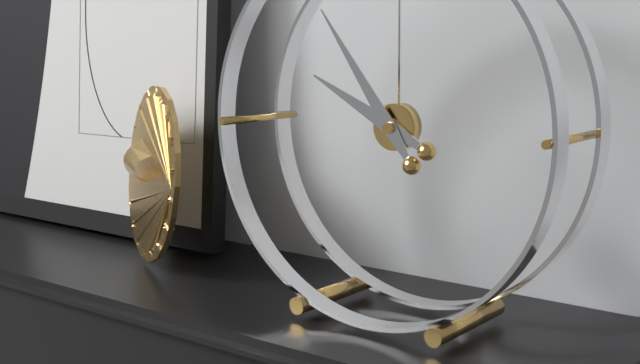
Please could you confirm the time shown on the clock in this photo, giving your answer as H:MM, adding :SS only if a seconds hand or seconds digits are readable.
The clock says 9:54
